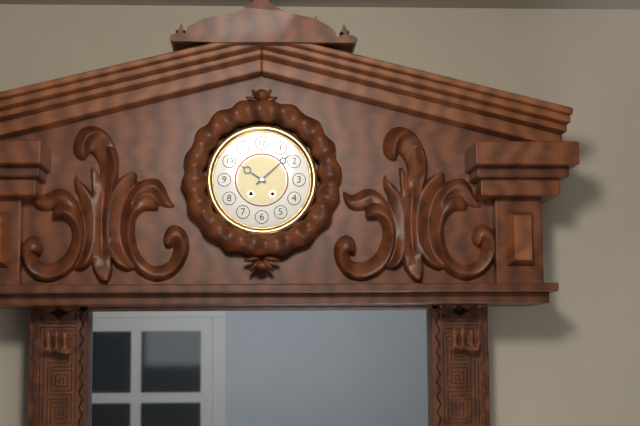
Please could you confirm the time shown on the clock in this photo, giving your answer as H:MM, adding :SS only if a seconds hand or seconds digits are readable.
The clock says 10:08
